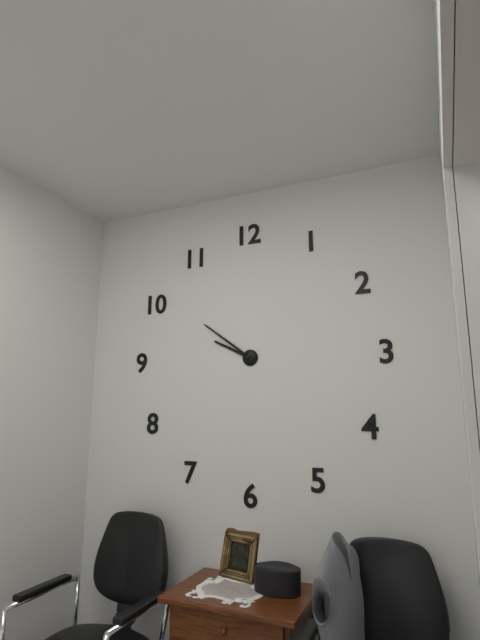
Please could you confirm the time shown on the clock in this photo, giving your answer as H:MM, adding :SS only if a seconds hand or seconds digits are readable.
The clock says 9:51
